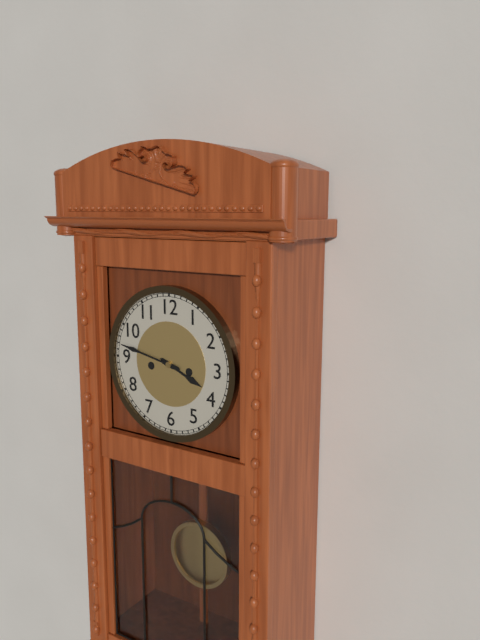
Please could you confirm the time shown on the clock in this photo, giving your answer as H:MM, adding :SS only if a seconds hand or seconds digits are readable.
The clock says 3:47
